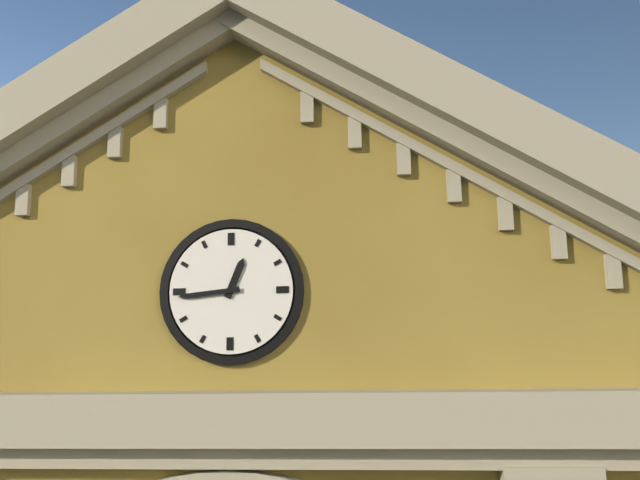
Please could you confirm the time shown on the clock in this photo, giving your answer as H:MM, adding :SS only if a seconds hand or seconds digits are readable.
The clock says 12:44
